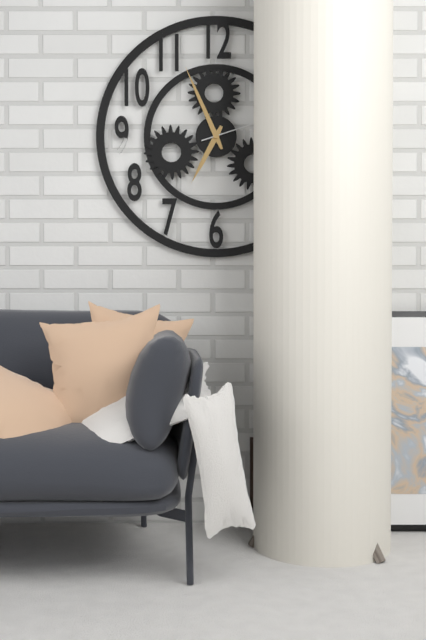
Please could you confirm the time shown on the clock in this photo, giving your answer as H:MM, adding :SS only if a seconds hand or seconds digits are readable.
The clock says 6:56:12
